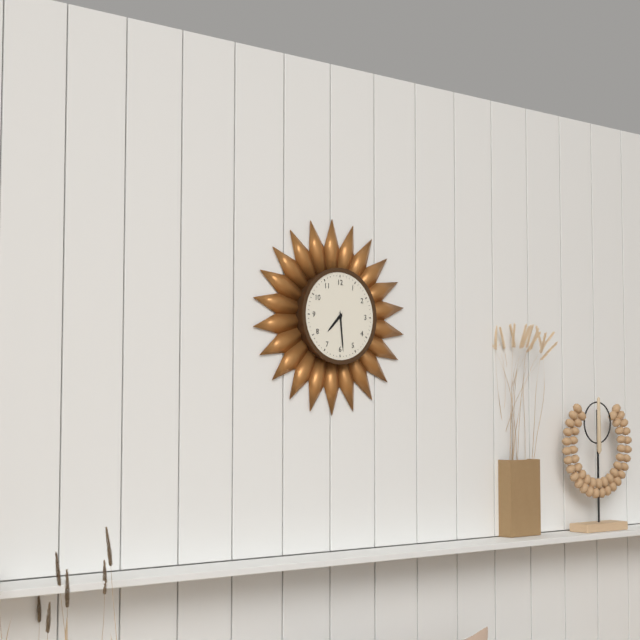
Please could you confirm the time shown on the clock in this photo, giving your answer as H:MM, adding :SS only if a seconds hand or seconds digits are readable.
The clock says 7:29
